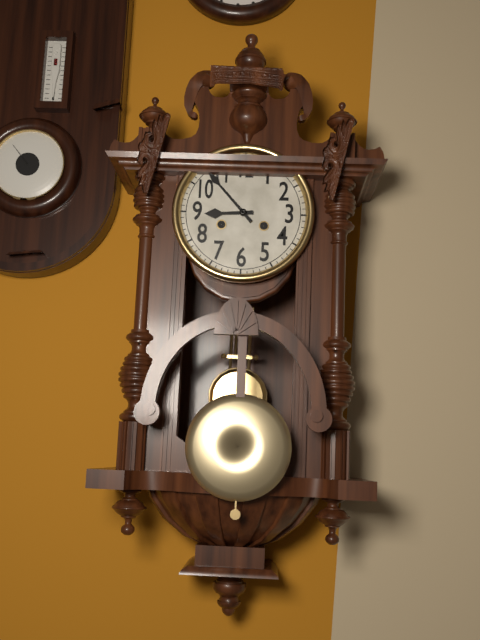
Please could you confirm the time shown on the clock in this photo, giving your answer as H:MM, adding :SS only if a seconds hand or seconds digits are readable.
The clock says 8:53
